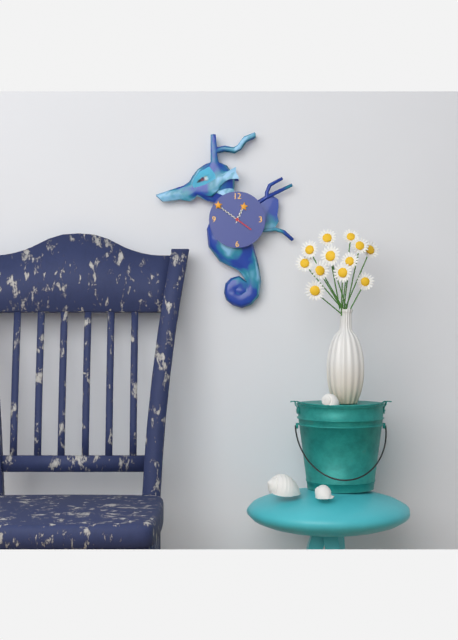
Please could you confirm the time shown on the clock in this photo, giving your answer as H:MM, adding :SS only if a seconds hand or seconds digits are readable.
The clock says 12:51
